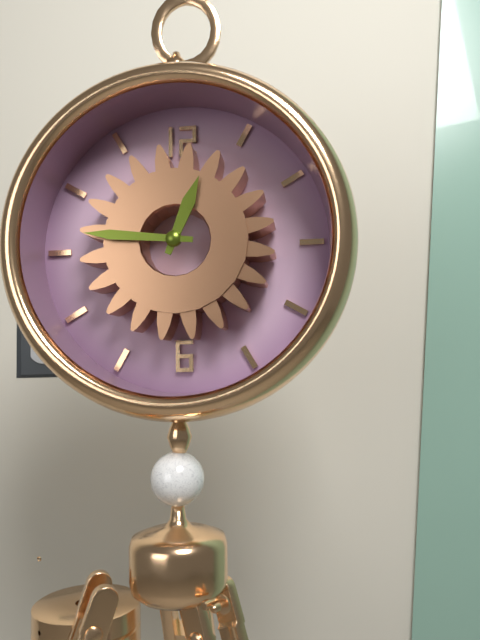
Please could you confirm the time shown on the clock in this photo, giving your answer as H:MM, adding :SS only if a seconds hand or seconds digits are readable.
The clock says 12:46
